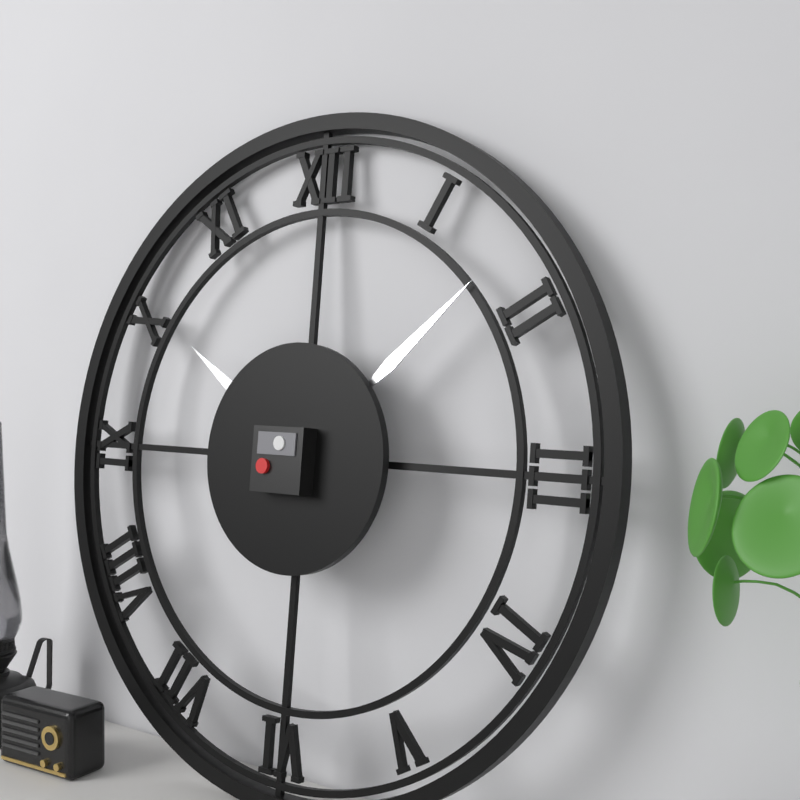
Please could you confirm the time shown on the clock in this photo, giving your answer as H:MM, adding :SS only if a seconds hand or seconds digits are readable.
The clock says 10:08
